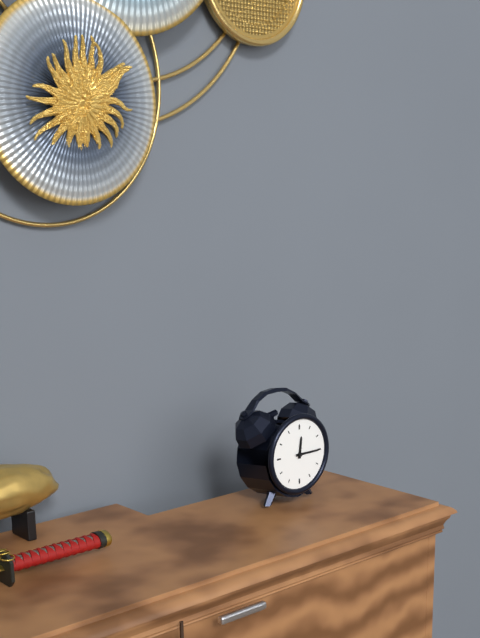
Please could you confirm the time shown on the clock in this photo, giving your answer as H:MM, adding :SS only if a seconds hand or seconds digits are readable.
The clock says 12:15
